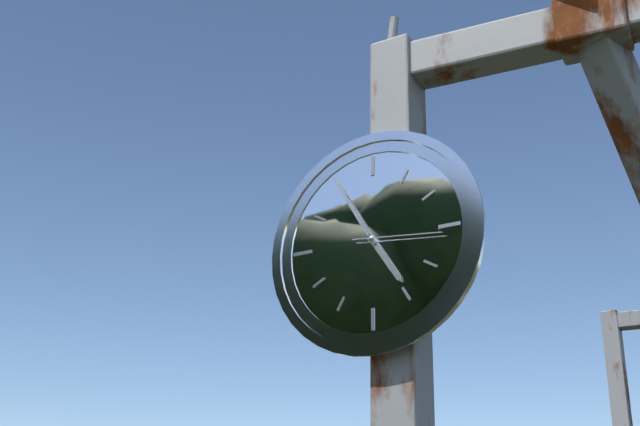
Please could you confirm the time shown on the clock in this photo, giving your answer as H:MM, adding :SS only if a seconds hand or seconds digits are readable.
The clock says 4:55:16
